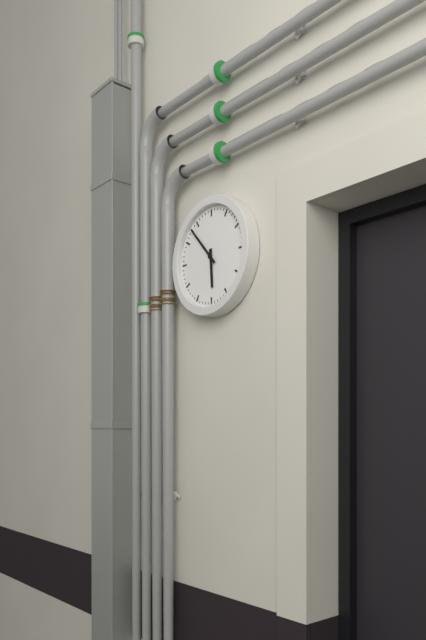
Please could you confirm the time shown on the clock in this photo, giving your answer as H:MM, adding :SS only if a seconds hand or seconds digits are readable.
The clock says 5:53
